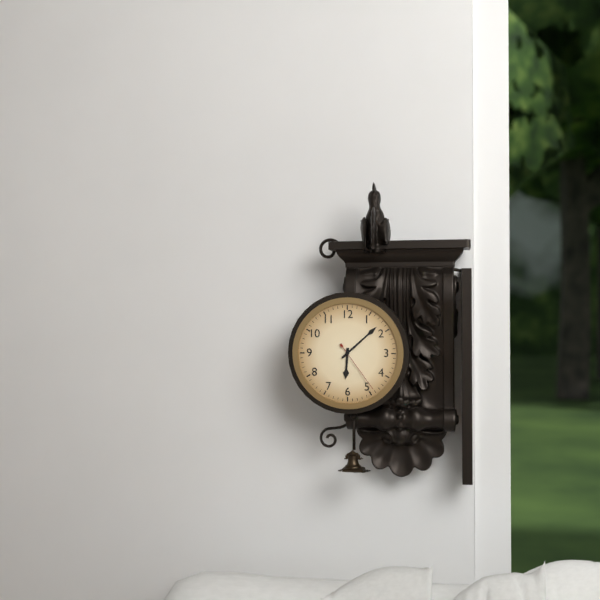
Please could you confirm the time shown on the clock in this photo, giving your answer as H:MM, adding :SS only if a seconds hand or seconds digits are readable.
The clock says 6:08:24
